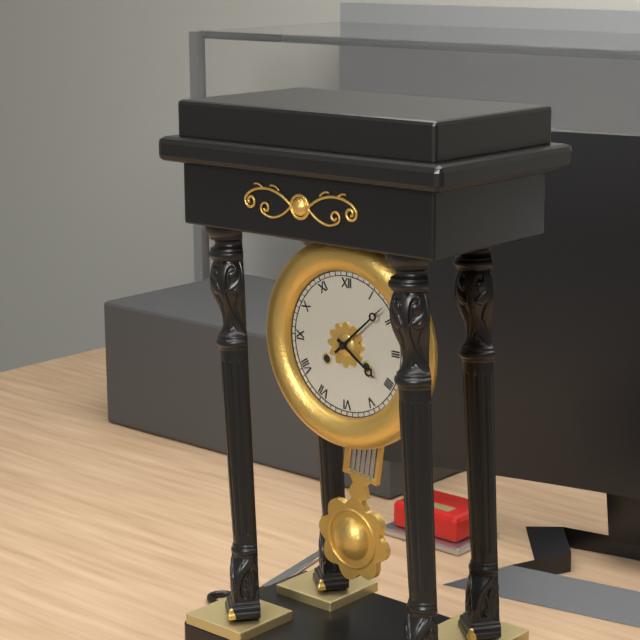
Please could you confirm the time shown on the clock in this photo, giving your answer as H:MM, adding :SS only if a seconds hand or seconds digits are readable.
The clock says 4:08
